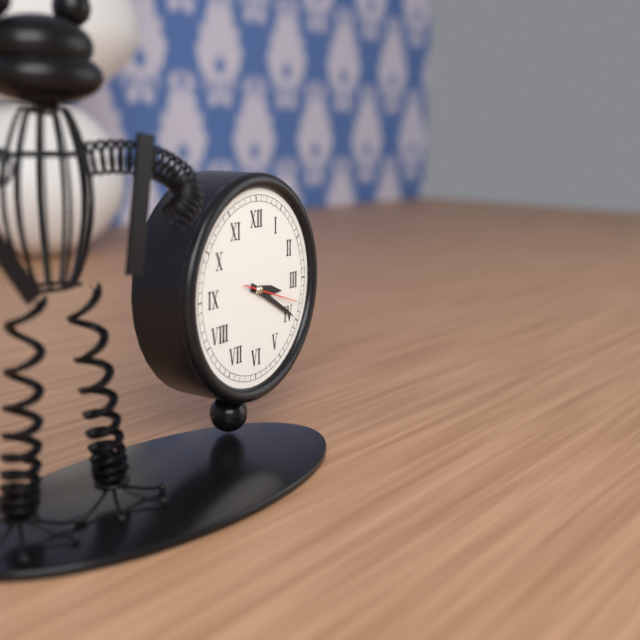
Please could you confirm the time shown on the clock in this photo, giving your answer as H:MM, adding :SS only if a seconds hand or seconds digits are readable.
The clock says 3:20:18
